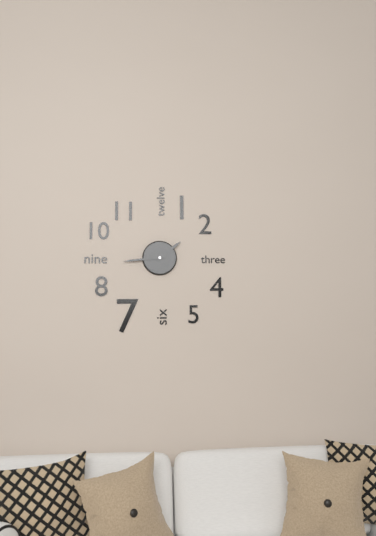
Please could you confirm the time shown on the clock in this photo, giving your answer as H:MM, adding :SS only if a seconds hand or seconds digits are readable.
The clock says 1:44
